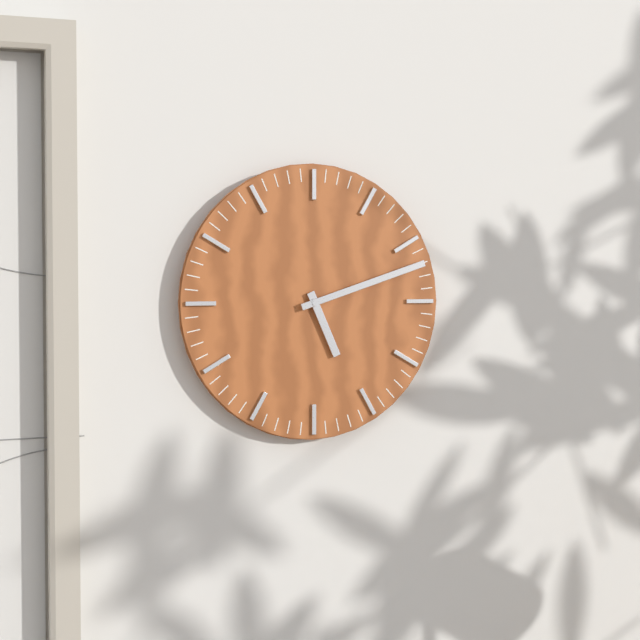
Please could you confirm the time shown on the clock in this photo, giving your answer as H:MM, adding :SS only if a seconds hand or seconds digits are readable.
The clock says 5:12
